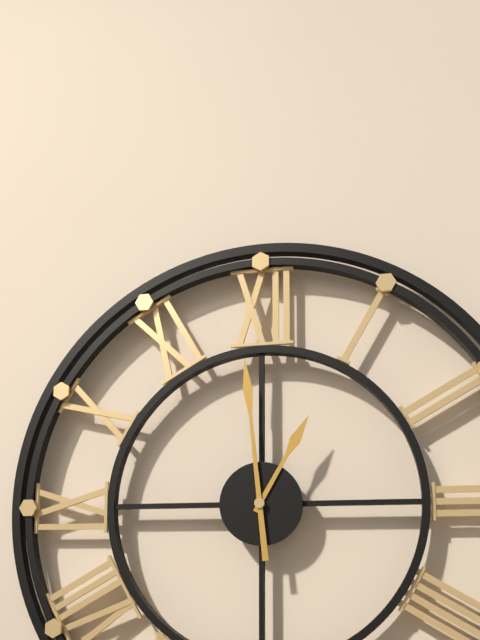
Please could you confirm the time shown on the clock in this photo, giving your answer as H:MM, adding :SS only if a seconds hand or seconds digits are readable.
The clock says 12:59
